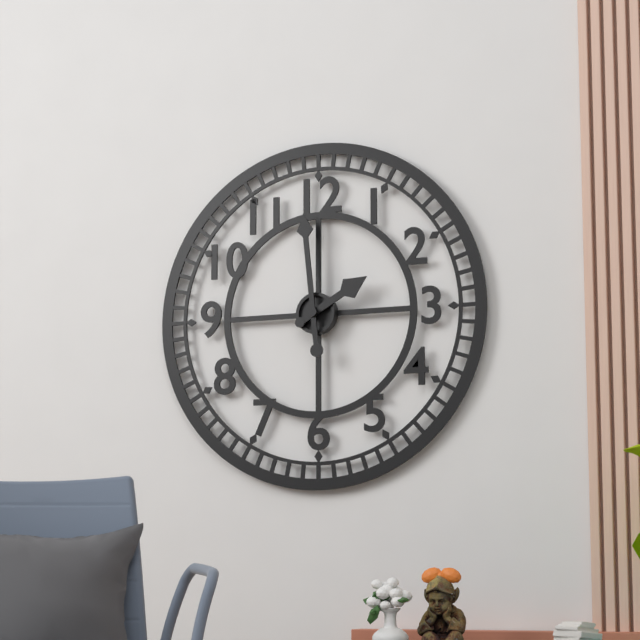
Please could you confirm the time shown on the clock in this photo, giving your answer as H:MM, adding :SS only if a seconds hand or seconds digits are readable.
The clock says 1:59
